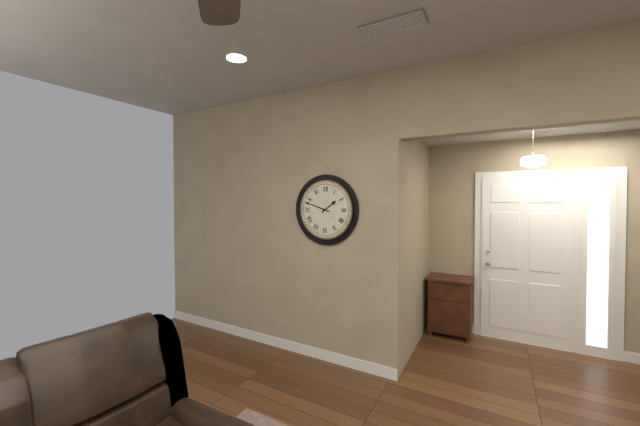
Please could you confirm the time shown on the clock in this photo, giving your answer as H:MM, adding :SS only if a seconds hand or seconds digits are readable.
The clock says 1:48
